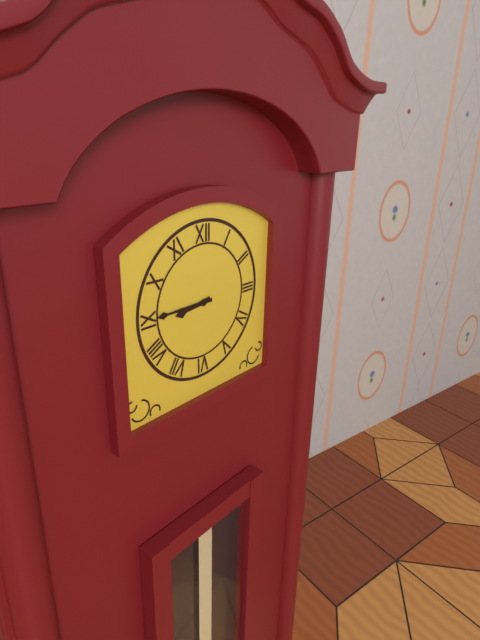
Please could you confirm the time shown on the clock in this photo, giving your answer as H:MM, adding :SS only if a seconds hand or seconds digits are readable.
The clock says 8:45
